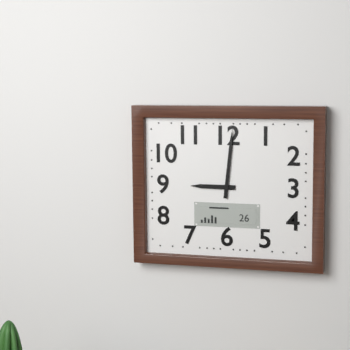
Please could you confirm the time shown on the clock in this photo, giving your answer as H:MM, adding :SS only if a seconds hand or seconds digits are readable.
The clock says 9:01
